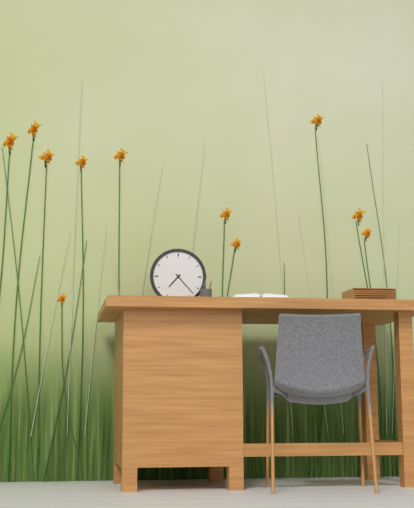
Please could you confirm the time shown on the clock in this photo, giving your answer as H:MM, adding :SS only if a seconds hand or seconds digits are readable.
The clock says 7:23
